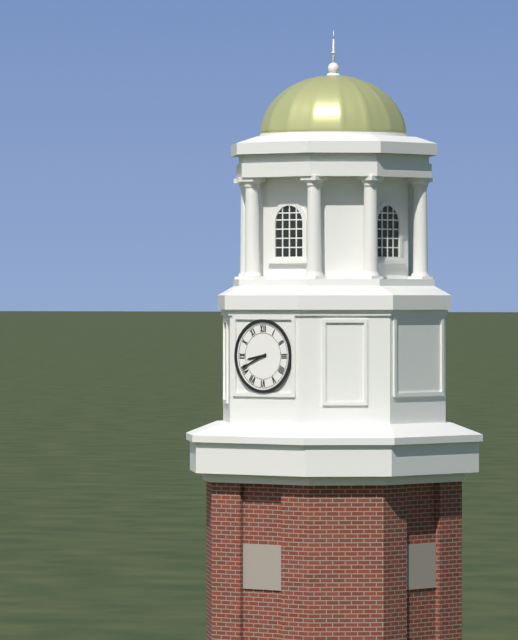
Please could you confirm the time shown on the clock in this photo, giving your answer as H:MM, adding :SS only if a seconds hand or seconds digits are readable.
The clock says 8:41
